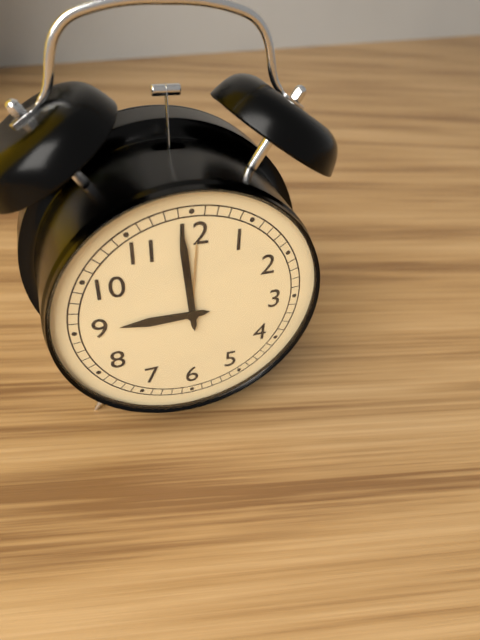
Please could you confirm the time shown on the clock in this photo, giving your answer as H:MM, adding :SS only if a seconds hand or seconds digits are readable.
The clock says 8:59
